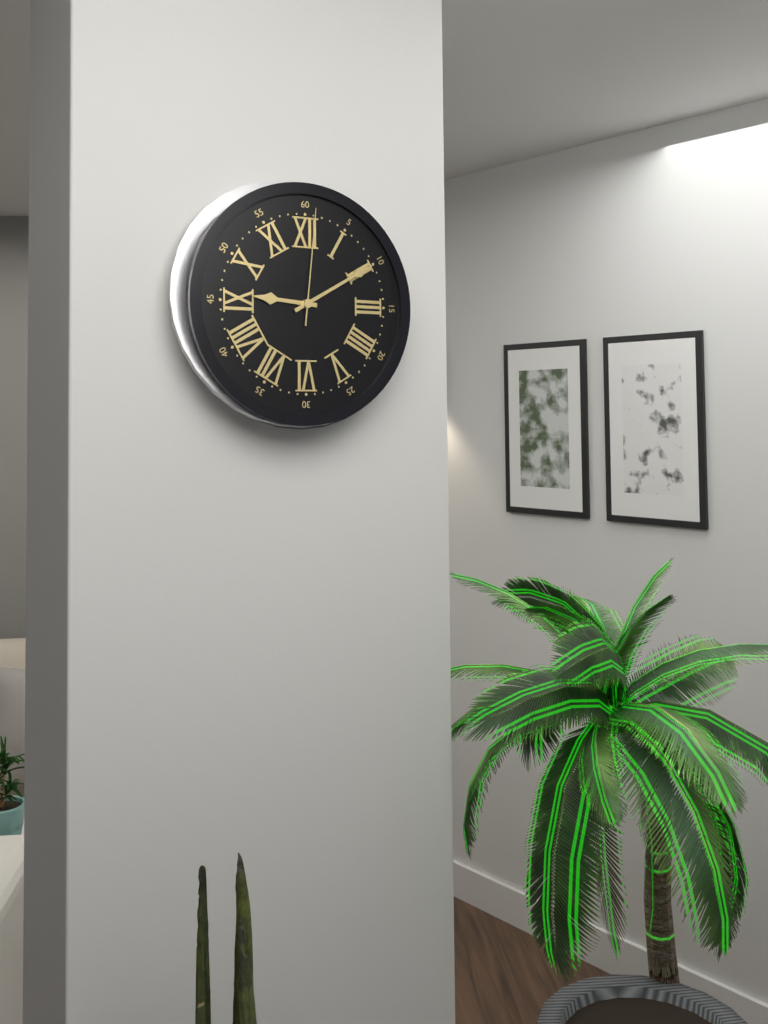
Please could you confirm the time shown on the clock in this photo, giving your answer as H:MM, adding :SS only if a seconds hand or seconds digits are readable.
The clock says 9:10:01
